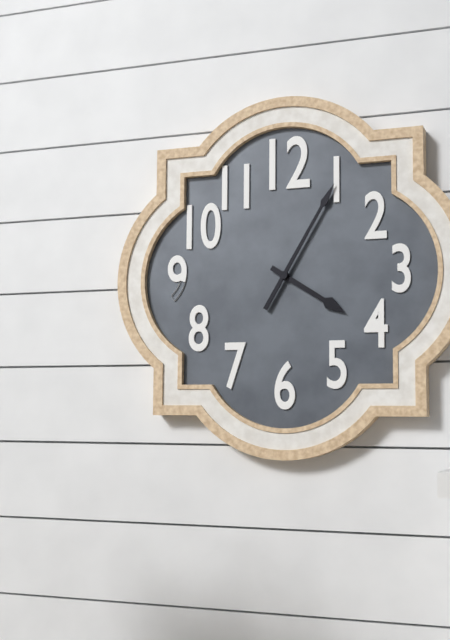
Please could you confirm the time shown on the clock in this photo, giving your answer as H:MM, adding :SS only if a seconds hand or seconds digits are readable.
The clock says 4:05
